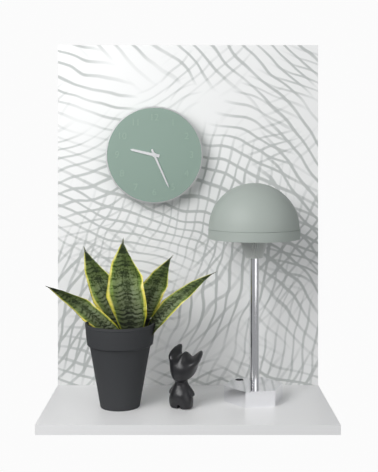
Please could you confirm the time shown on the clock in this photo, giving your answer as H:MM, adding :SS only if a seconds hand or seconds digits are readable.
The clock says 9:26
